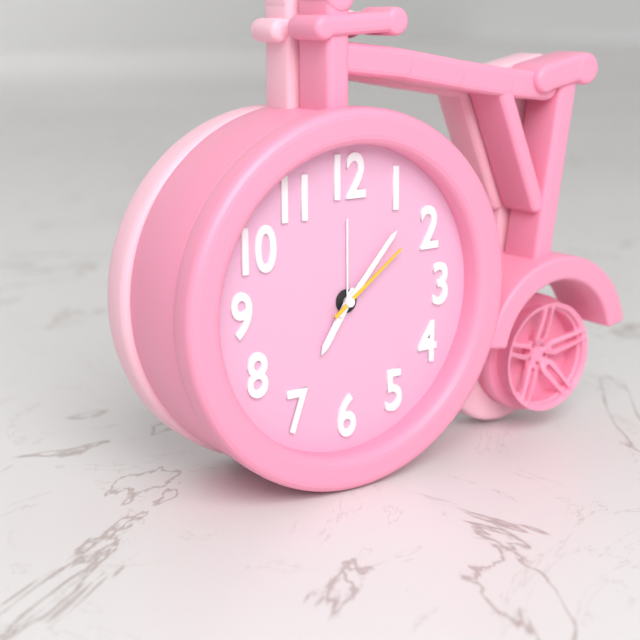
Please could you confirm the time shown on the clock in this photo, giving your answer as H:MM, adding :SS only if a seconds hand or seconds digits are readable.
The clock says 7:07:09
